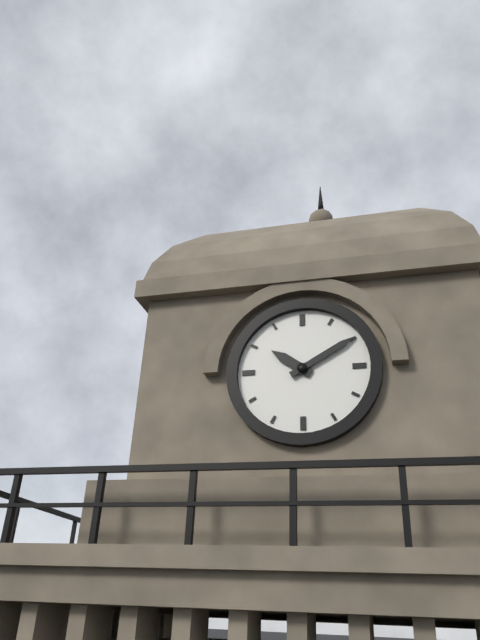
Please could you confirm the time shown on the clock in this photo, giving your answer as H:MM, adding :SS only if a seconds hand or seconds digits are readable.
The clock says 10:10
